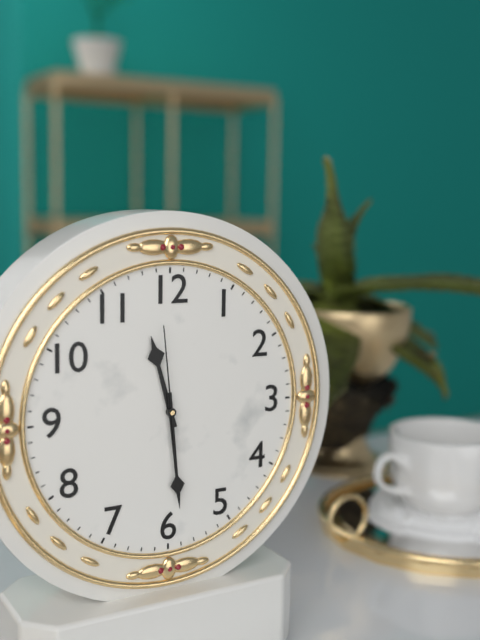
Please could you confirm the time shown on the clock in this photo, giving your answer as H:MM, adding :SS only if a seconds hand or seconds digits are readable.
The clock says 11:29:59
